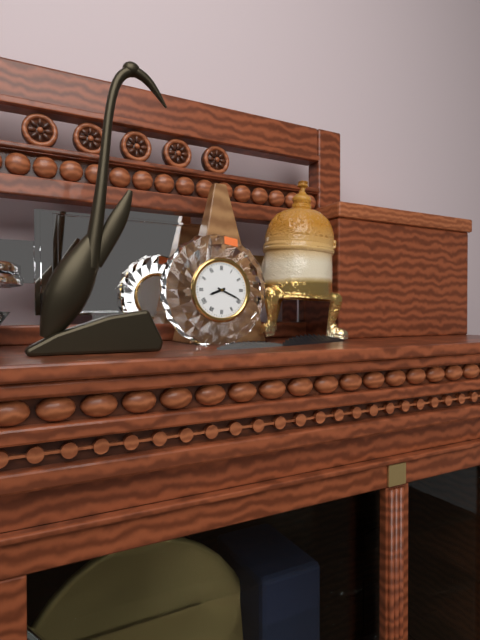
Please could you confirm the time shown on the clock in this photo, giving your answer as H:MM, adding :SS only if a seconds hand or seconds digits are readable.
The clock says 8:19
